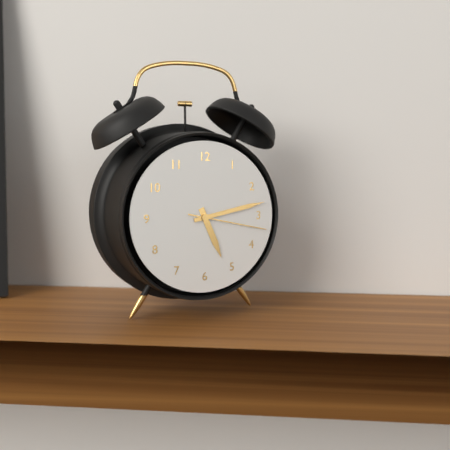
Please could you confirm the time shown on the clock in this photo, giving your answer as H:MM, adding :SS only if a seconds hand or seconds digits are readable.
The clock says 5:13:17
